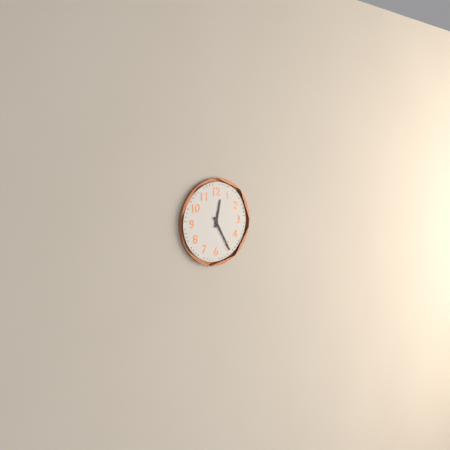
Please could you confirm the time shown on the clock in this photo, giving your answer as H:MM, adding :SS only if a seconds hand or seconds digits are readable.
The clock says 12:25
